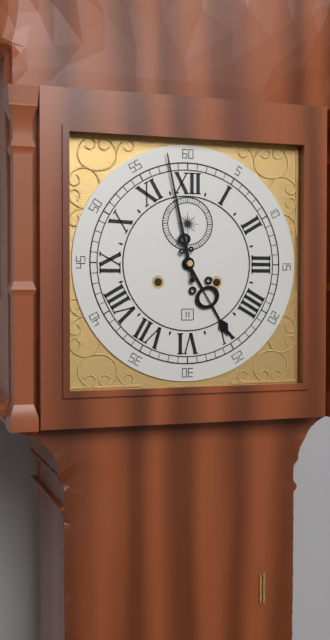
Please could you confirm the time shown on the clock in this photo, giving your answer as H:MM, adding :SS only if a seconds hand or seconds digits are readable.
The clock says 4:58
